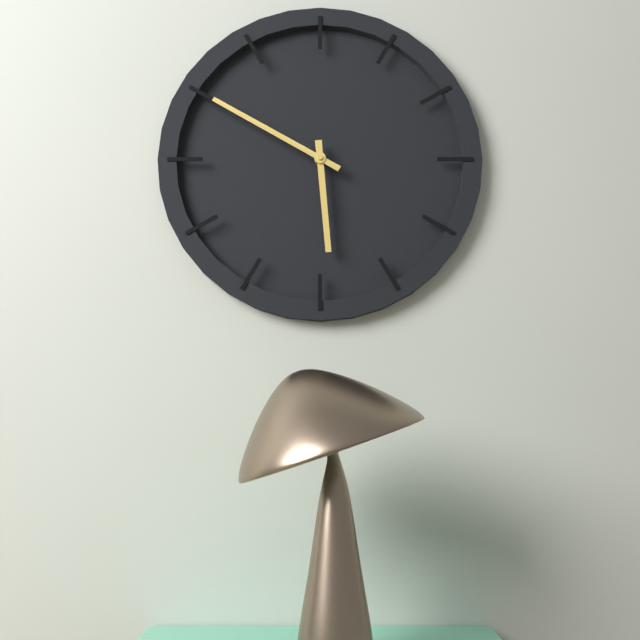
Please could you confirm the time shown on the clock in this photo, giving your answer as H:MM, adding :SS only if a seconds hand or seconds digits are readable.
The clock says 5:50
